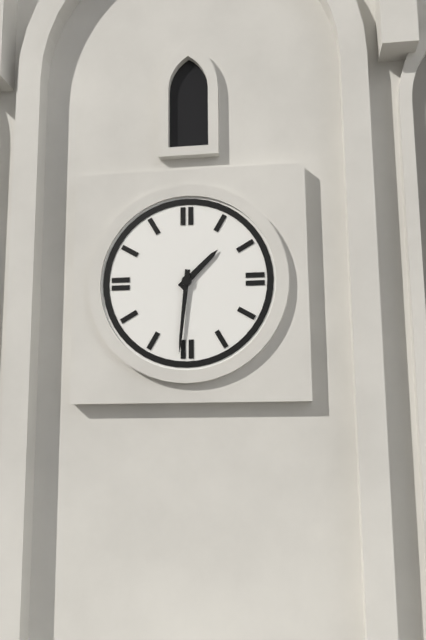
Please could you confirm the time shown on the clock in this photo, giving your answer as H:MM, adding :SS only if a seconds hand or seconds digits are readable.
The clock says 1:31
